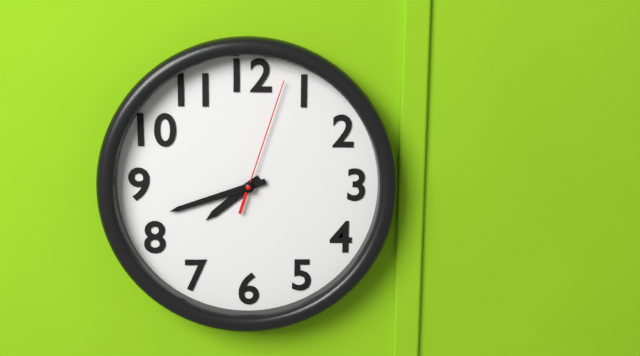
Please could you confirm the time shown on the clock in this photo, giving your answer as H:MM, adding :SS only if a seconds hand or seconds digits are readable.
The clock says 7:42:03
